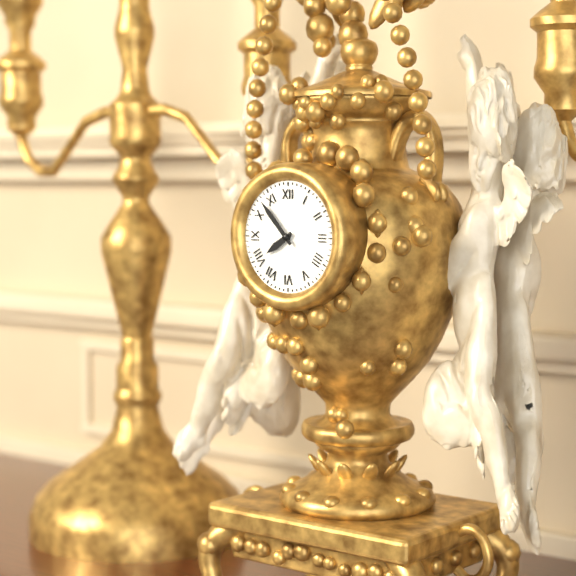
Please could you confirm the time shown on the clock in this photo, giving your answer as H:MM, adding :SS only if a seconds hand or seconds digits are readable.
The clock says 7:53
